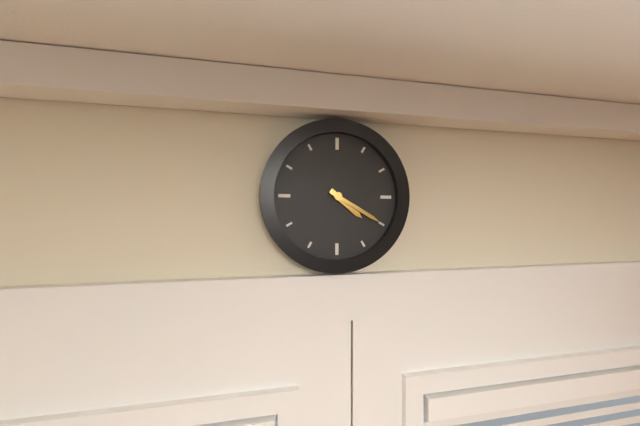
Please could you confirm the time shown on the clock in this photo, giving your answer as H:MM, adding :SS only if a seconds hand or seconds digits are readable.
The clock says 4:20
